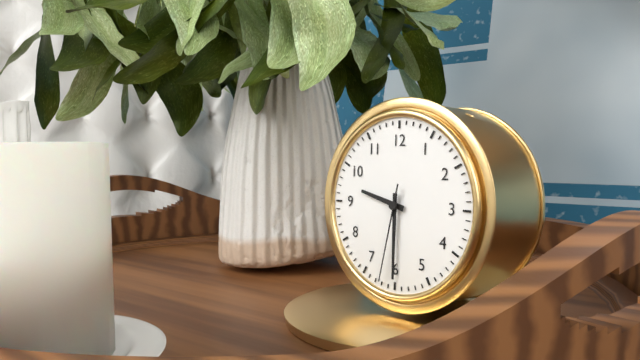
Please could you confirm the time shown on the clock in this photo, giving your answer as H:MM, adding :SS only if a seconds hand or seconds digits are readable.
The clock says 9:30:32
